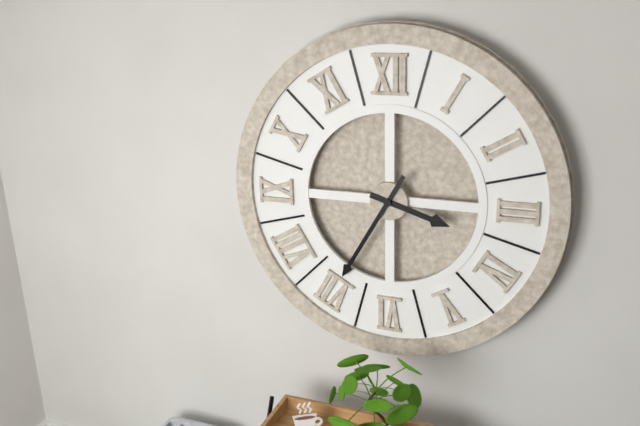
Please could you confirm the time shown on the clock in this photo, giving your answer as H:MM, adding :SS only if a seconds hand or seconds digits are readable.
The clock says 3:35
